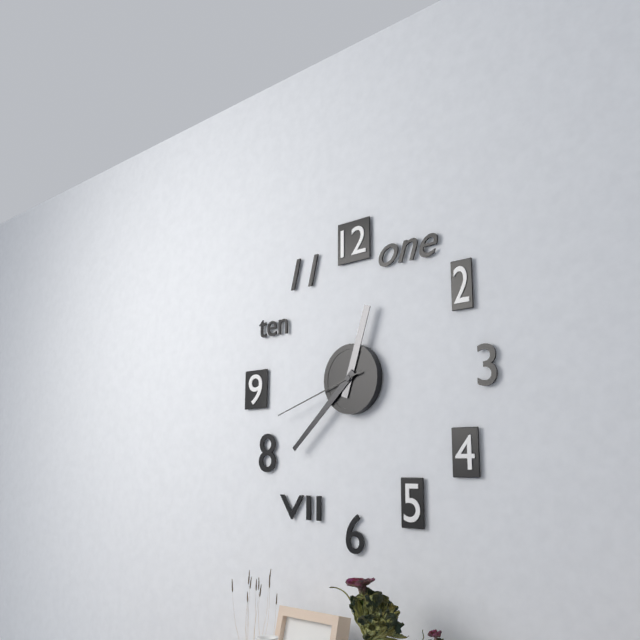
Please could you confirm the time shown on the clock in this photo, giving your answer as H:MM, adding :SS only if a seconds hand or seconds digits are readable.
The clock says 12:38:42
